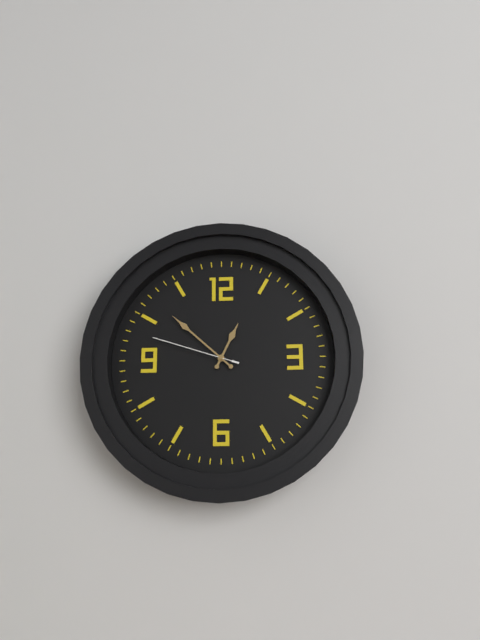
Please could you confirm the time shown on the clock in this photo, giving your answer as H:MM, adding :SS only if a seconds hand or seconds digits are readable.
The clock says 12:52:48
